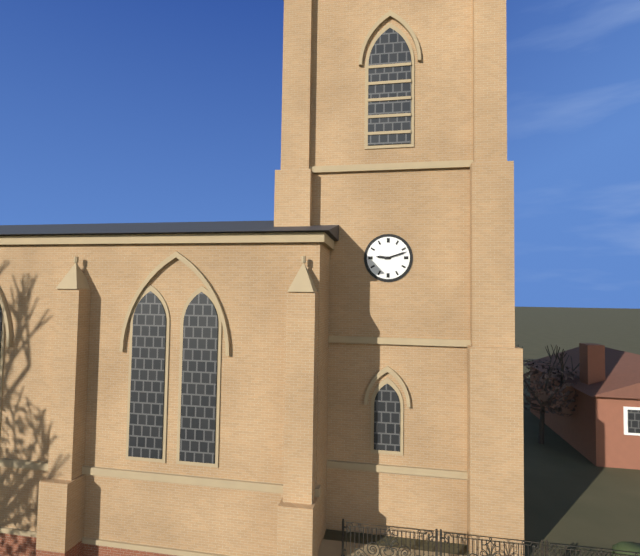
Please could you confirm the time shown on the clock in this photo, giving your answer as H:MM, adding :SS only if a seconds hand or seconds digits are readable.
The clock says 9:12
